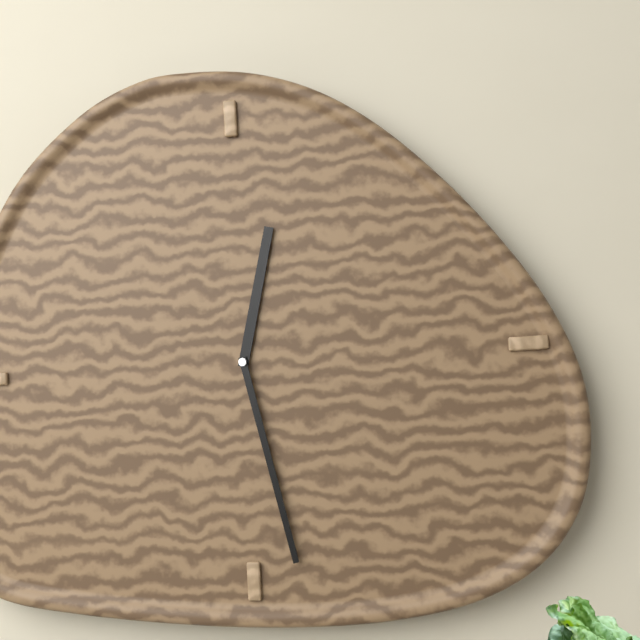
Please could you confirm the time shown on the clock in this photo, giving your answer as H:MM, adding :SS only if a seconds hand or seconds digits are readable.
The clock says 12:28
